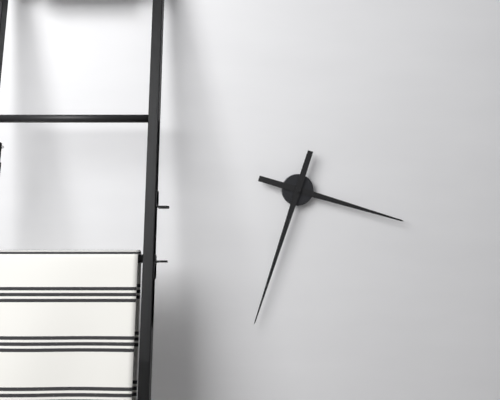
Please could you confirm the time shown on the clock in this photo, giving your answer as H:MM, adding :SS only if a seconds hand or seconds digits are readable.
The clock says 3:33
